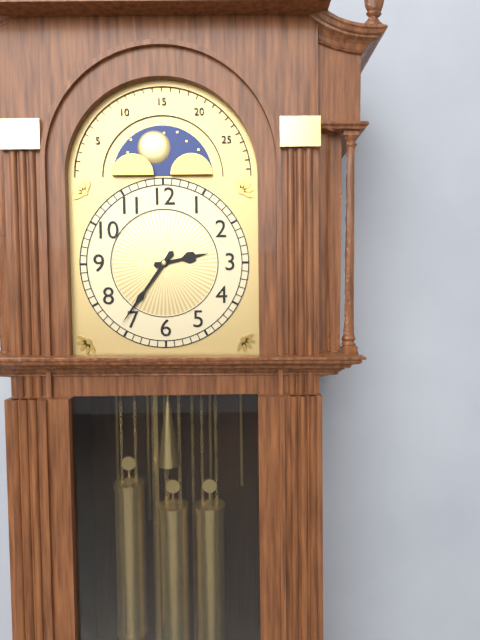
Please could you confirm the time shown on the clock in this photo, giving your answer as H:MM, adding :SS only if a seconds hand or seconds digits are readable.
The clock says 2:36
